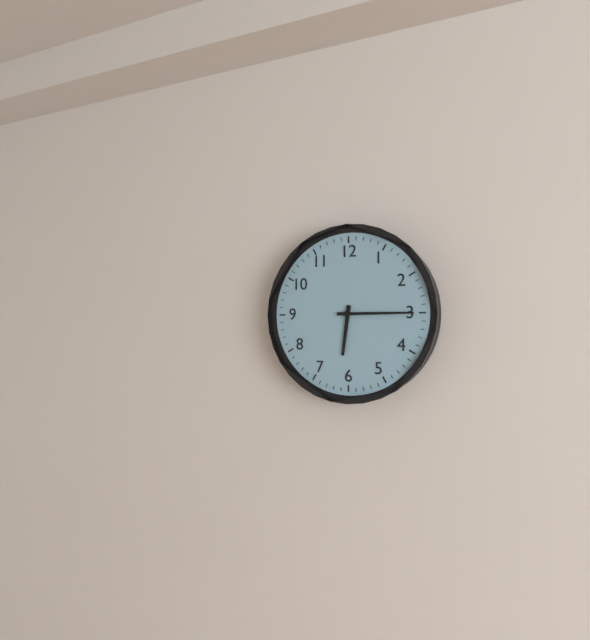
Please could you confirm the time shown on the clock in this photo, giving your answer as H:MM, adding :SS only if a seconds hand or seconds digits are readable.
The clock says 6:15
